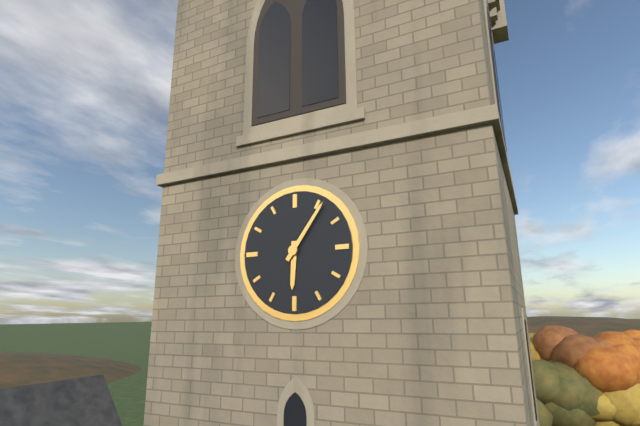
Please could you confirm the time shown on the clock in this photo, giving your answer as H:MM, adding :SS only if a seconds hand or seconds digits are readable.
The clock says 6:06
